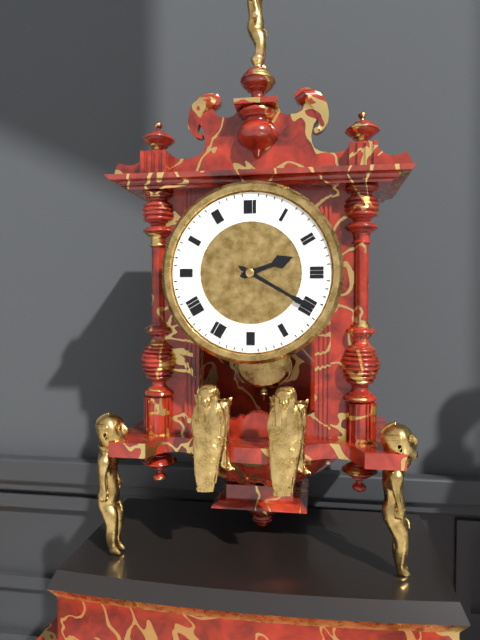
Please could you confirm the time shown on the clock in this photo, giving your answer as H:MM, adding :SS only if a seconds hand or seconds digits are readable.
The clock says 2:20
